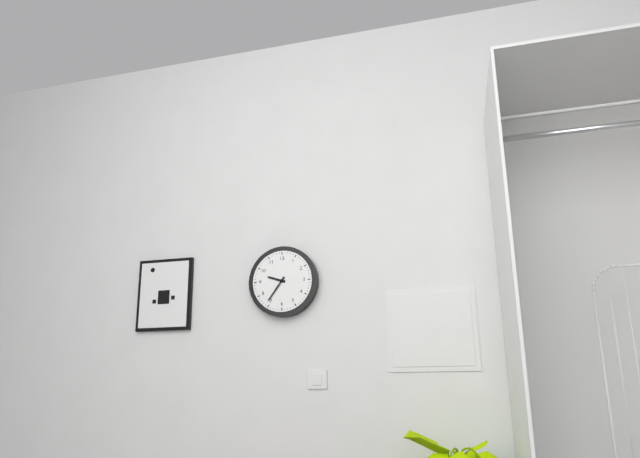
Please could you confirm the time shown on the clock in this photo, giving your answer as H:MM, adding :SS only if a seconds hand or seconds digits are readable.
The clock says 9:36
